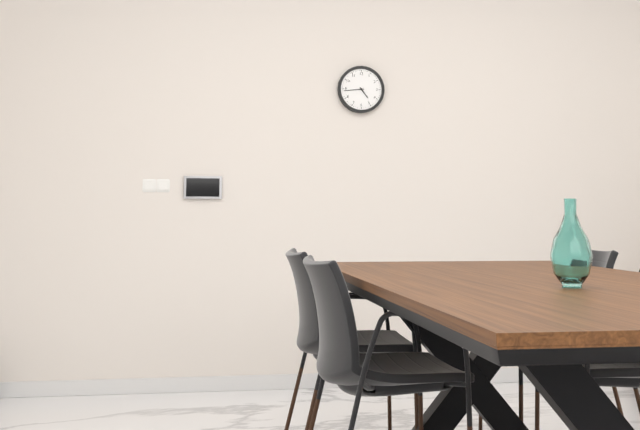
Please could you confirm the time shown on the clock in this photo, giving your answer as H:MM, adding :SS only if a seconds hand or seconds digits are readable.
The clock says 4:44
